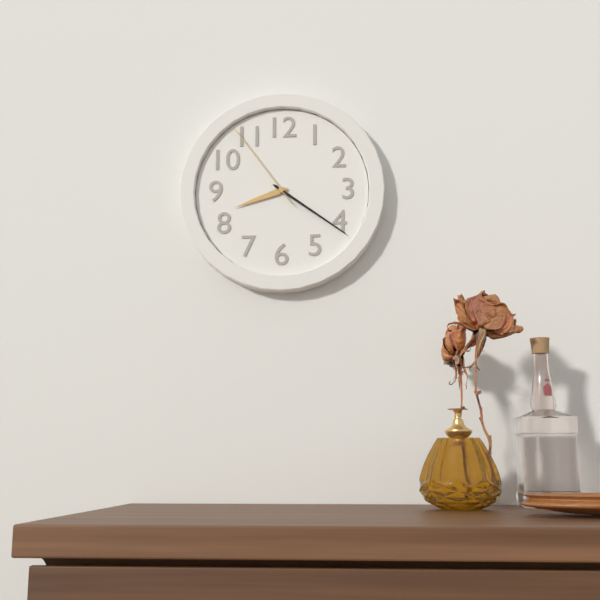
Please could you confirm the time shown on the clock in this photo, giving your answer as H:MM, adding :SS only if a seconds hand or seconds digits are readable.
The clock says 8:21:54
